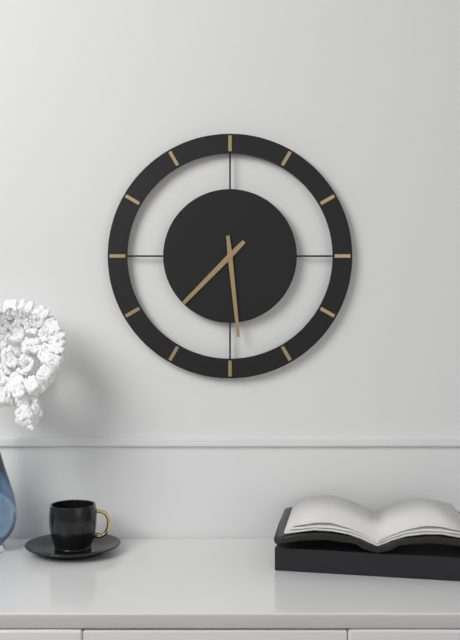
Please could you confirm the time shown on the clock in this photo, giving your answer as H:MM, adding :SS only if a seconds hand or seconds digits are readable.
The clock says 7:29
